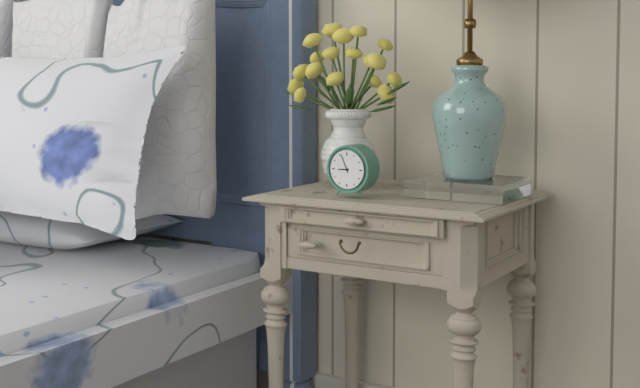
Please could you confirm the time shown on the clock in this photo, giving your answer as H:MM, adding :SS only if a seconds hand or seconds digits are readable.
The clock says 8:56
